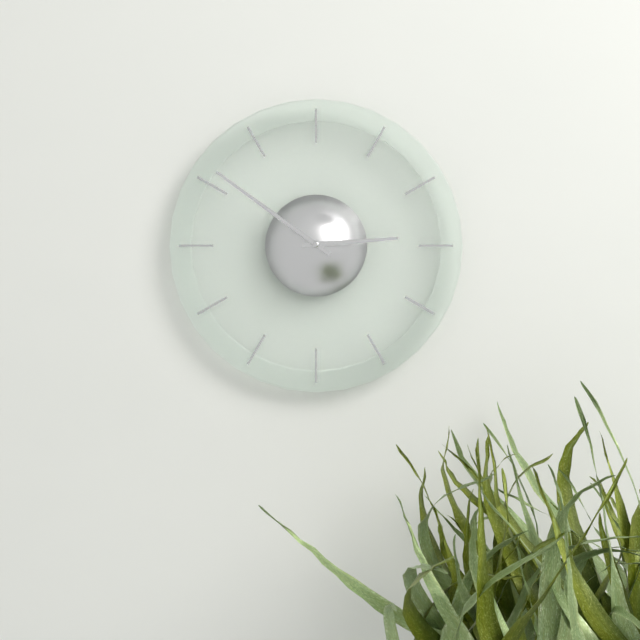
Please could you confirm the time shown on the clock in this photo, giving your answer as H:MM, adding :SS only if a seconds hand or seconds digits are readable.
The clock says 2:51
